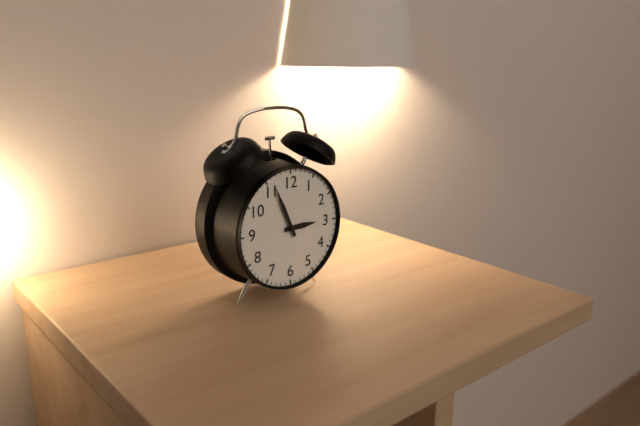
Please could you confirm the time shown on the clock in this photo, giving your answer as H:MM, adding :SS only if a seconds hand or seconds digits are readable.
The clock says 2:56
